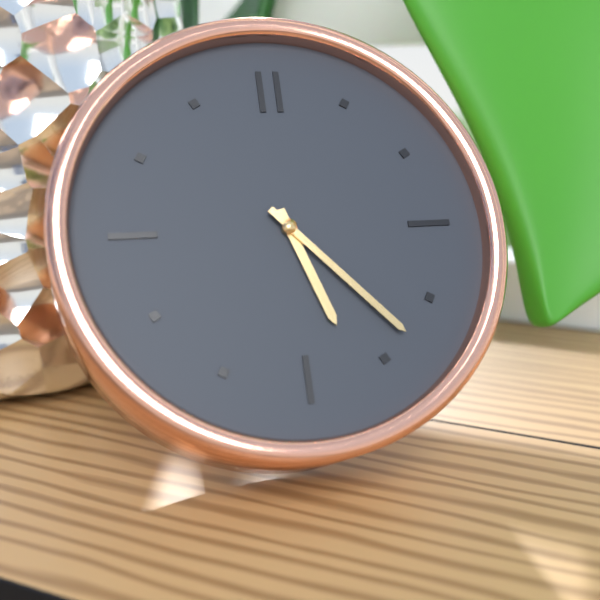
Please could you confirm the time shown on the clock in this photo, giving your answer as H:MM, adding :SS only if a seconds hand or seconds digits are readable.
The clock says 5:23
